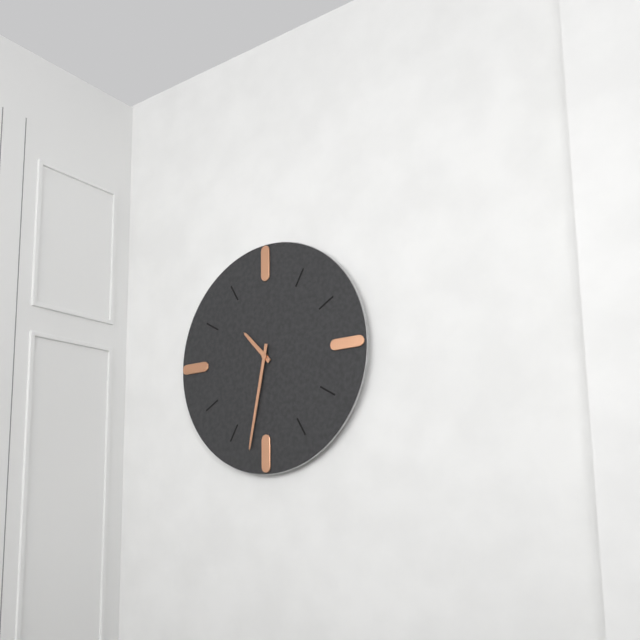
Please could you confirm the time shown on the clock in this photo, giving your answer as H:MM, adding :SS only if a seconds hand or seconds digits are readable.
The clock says 10:32
